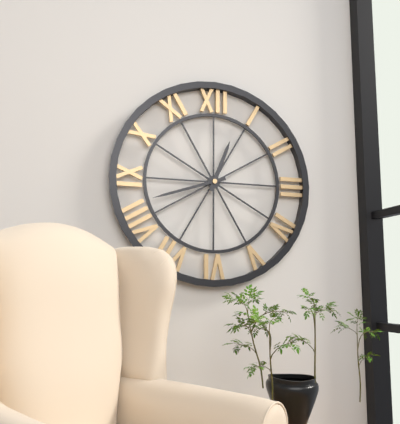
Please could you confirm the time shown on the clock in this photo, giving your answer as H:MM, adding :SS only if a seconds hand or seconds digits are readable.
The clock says 12:42
